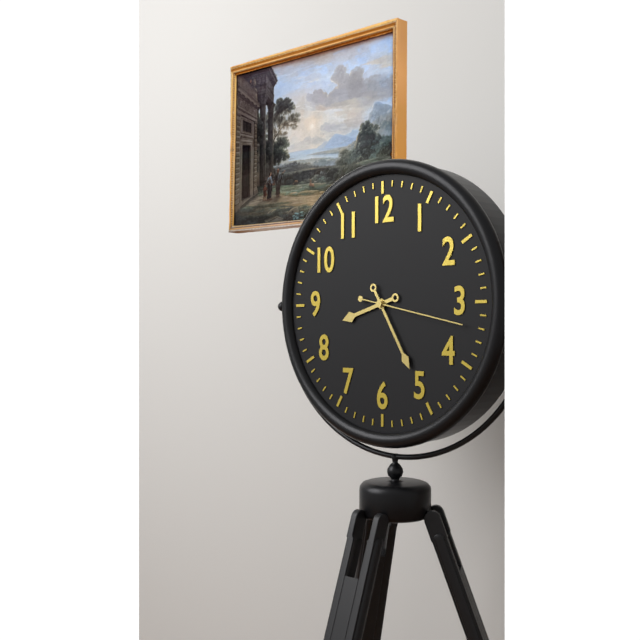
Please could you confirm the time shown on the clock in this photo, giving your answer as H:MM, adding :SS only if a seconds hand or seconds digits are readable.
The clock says 8:25:17
